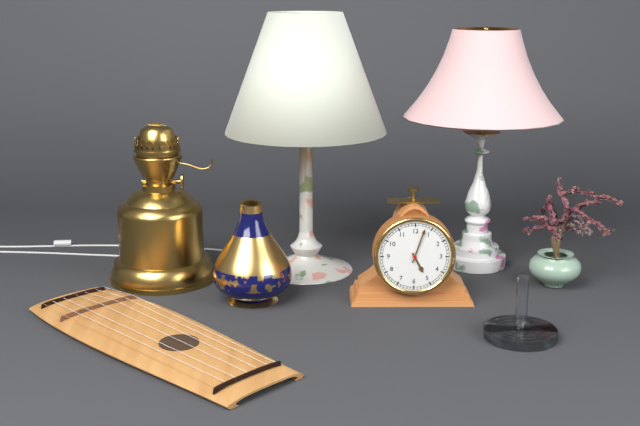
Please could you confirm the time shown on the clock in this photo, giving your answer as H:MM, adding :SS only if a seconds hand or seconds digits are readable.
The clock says 5:03
